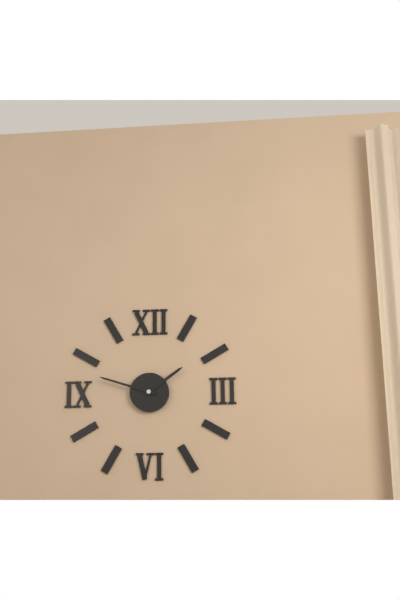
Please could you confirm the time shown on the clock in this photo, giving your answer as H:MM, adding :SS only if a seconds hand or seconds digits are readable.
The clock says 1:48
